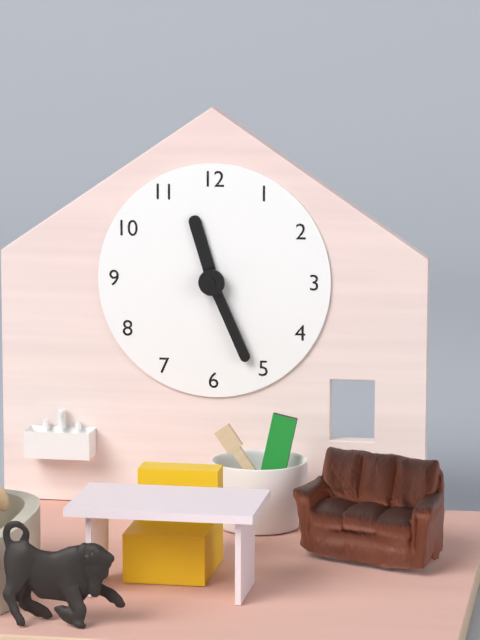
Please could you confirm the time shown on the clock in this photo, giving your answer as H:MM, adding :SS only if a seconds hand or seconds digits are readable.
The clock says 11:26
